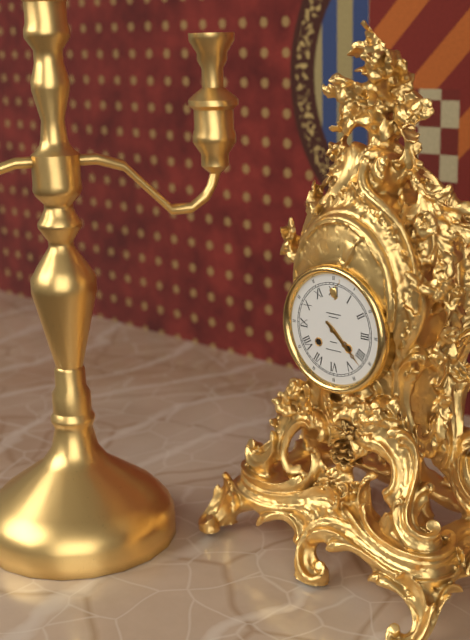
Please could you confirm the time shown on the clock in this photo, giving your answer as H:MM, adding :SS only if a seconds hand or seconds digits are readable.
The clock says 4:22
